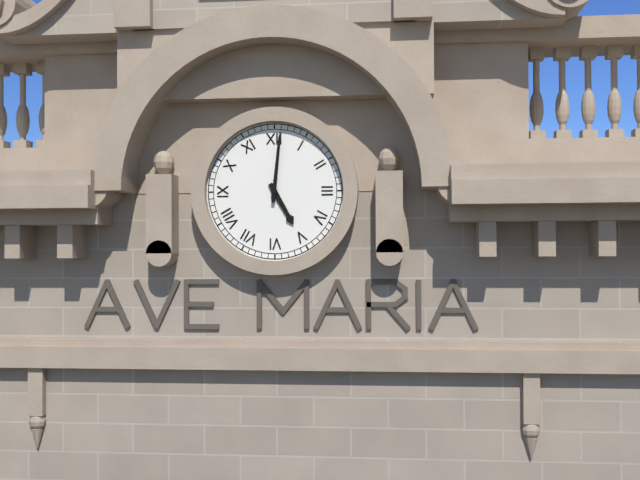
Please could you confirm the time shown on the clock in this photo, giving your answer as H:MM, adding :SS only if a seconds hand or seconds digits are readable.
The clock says 5:01
